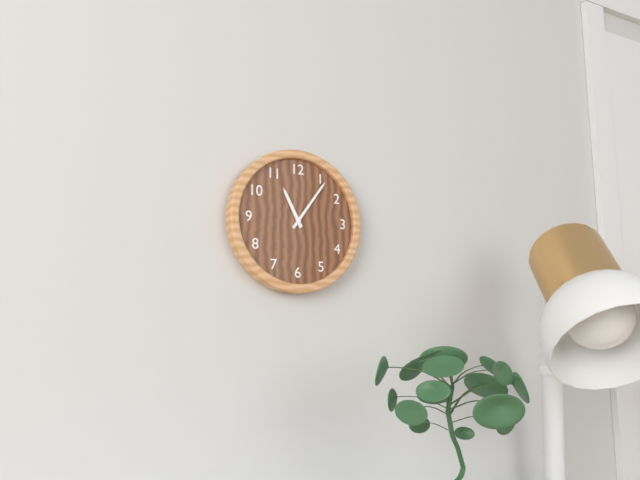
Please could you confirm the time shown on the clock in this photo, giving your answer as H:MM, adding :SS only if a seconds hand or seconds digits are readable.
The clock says 11:06
